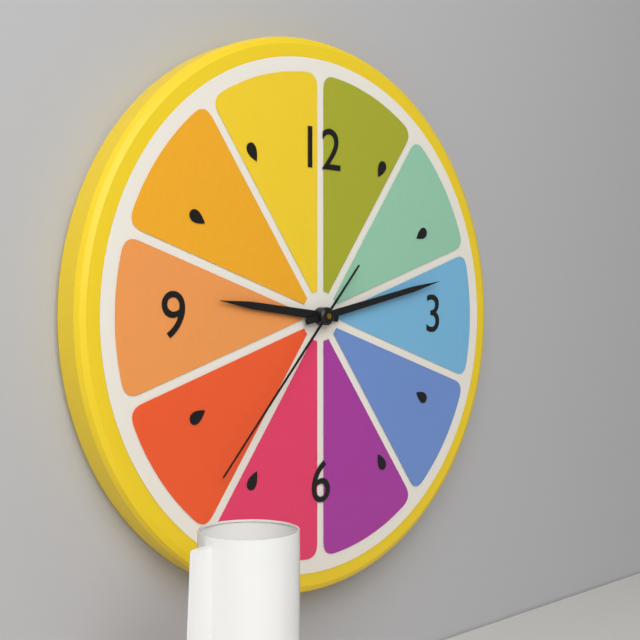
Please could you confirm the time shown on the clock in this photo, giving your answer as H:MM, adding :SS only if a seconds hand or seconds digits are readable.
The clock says 9:13:37
